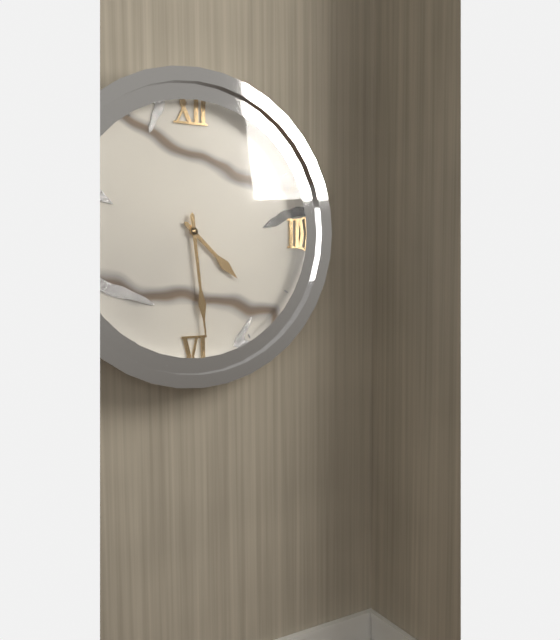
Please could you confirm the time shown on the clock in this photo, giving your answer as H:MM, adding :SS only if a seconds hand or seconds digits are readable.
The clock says 4:29
